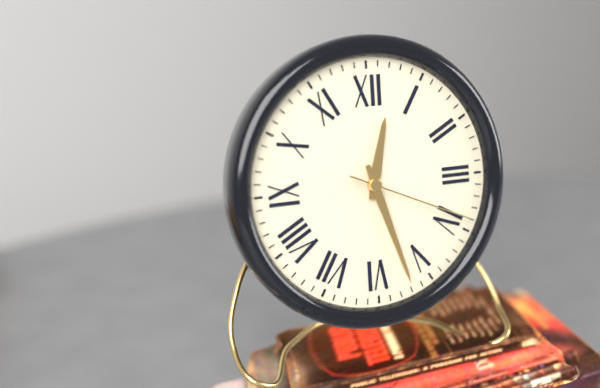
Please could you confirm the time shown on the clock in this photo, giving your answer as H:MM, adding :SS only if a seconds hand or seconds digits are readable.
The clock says 12:27:19
